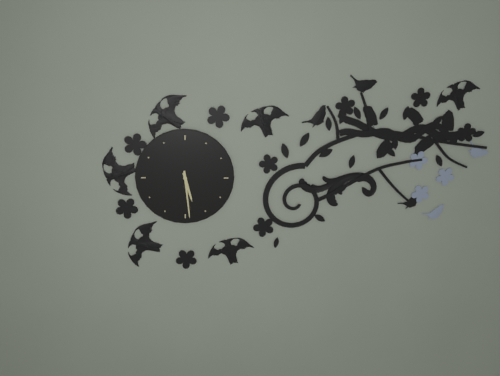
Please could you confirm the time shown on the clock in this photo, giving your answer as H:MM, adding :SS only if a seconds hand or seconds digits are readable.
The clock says 5:29
